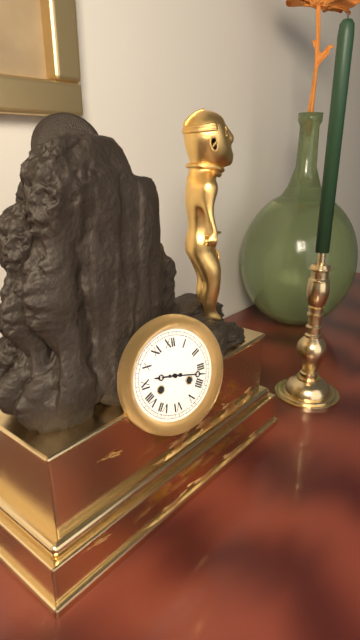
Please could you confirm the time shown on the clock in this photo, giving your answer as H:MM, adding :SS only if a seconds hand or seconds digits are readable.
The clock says 9:17
